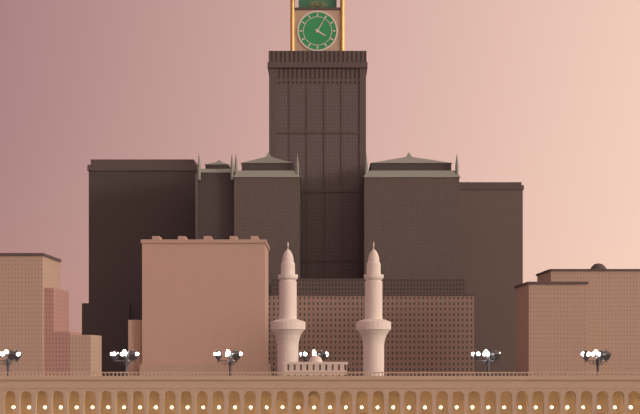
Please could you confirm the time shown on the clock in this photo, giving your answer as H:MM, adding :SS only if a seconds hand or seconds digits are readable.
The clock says 4:05
